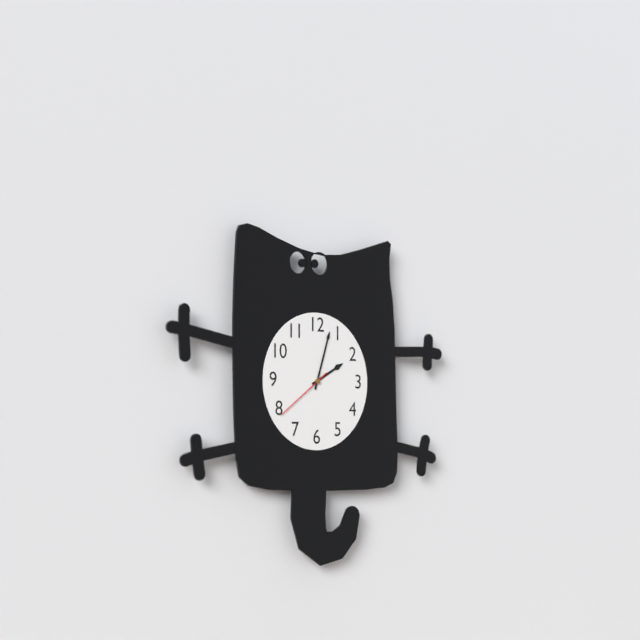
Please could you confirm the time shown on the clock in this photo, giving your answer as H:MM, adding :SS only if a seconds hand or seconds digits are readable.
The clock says 2:03:39
